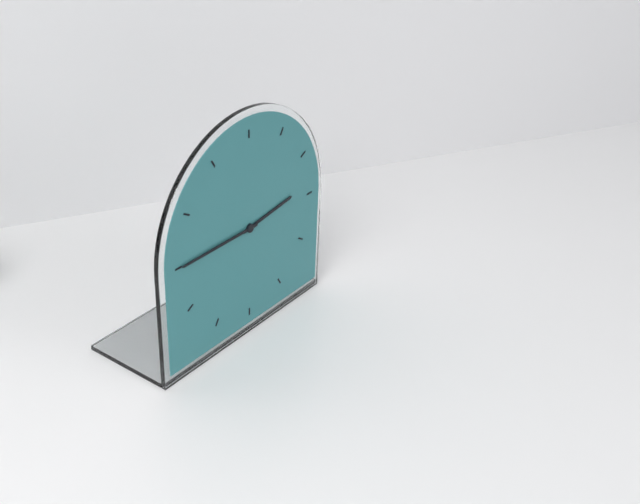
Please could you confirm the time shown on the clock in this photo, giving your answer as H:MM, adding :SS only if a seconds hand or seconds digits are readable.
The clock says 2:45
